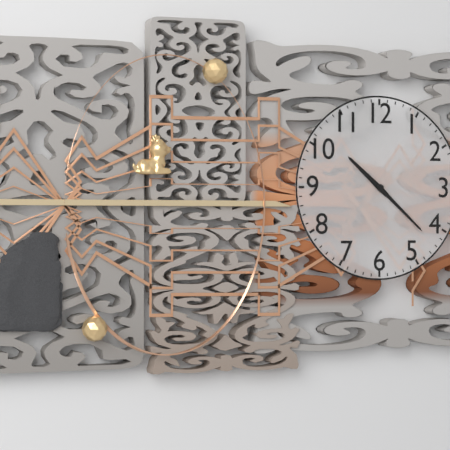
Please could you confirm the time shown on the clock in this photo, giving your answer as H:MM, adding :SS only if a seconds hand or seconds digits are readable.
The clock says 10:22
